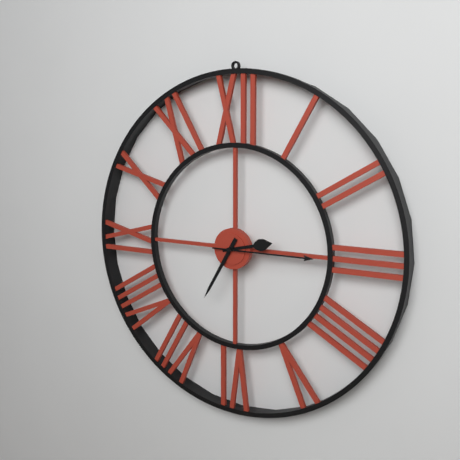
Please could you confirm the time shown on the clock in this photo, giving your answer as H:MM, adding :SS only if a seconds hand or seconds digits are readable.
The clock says 2:35:15
